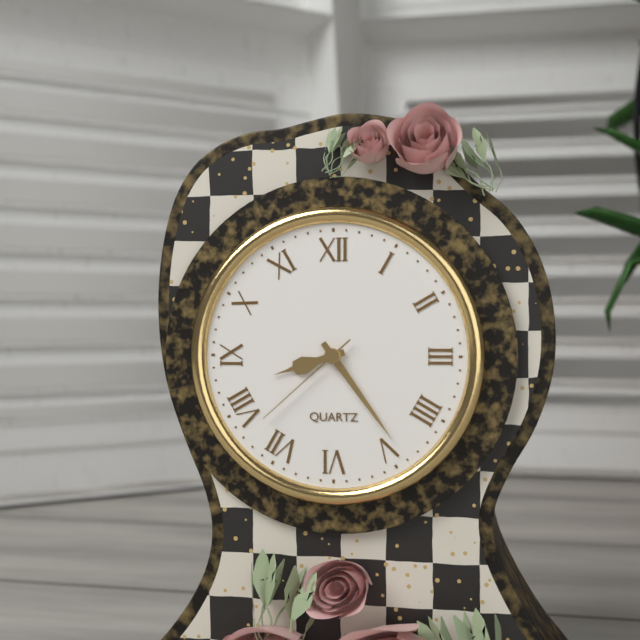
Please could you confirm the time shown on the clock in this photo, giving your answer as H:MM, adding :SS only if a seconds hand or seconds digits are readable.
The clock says 8:24:38
